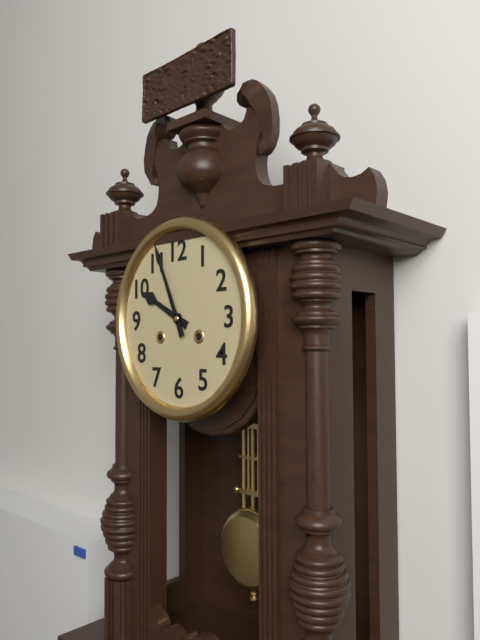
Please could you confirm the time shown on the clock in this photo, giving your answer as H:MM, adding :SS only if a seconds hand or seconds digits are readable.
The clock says 9:56
